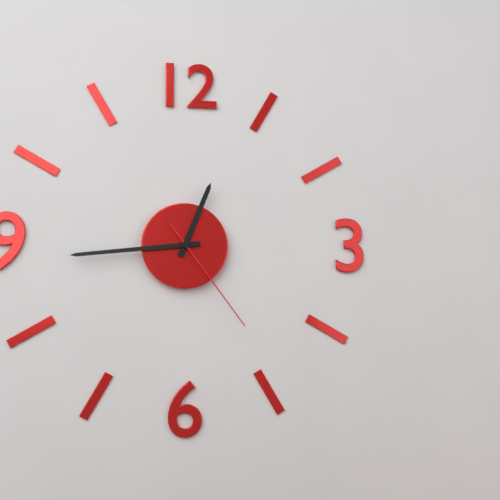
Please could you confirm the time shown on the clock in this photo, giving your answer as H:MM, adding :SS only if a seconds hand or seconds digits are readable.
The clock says 12:44:24
